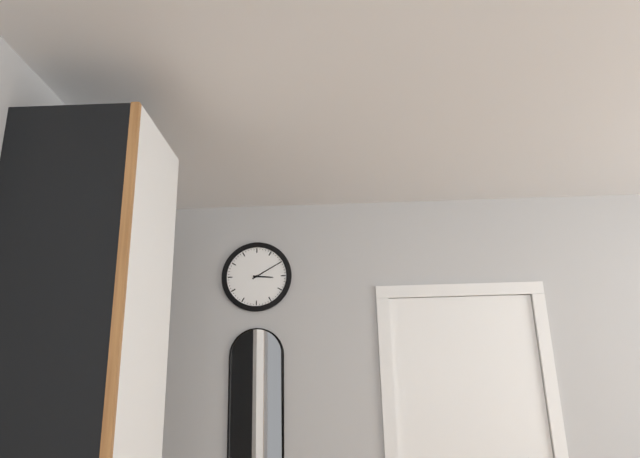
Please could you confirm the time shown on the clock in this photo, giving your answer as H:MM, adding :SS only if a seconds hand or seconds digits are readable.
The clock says 3:10
